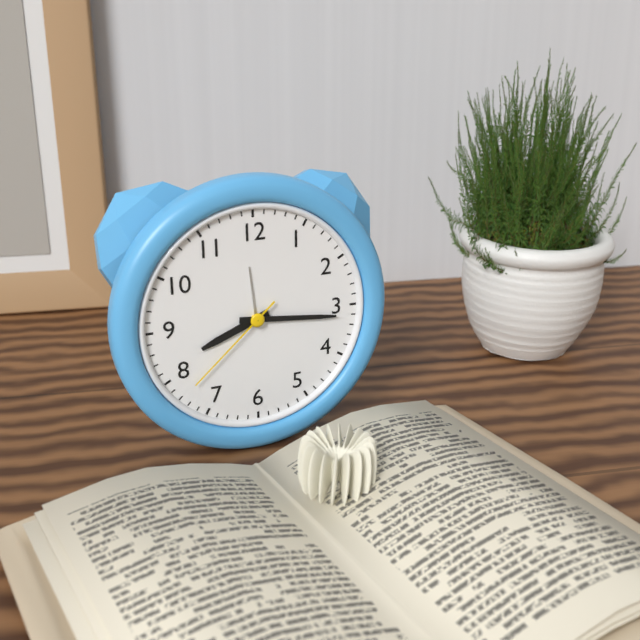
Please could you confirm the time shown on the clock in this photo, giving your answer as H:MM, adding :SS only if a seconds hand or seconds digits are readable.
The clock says 8:16:38
